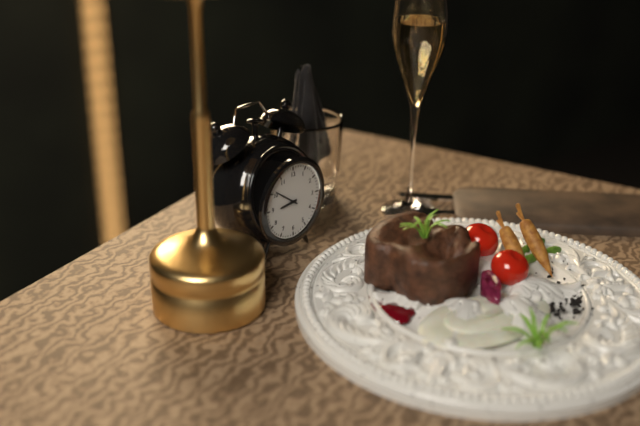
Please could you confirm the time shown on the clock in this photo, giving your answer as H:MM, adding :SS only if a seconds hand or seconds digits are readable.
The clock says 8:51
